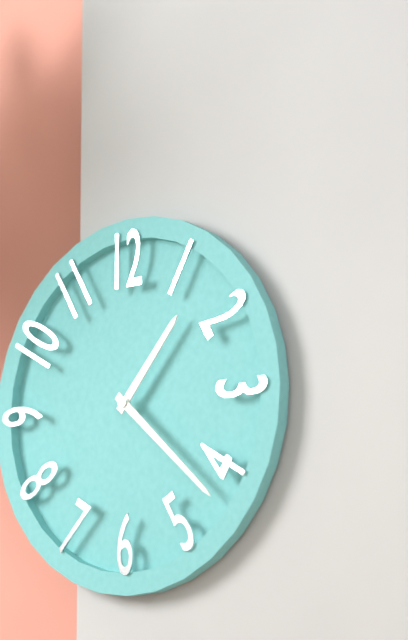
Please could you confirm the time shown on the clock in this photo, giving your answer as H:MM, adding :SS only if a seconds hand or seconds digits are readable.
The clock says 1:22
